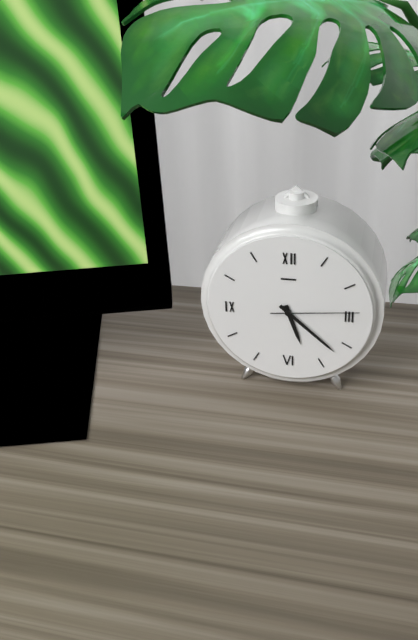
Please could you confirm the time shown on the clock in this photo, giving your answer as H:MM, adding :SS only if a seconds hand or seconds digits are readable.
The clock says 5:22:14
